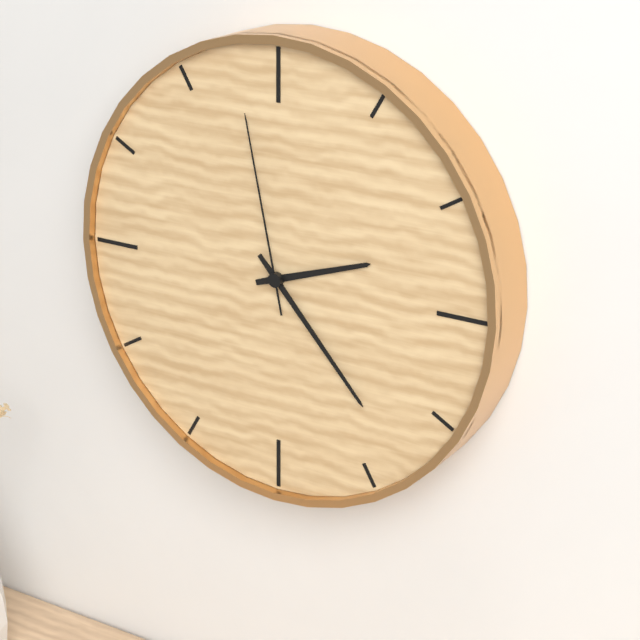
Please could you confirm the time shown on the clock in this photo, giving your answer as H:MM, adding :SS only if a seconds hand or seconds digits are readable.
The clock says 2:23:58
